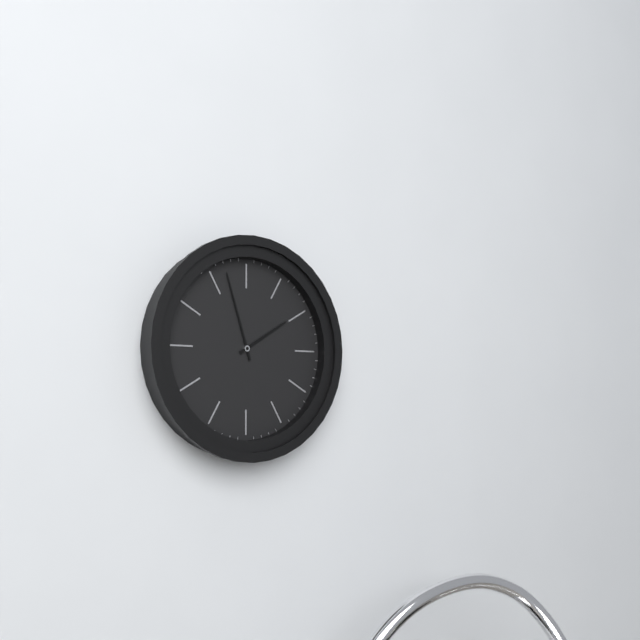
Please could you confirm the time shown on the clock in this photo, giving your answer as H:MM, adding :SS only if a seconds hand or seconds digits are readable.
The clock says 1:57
